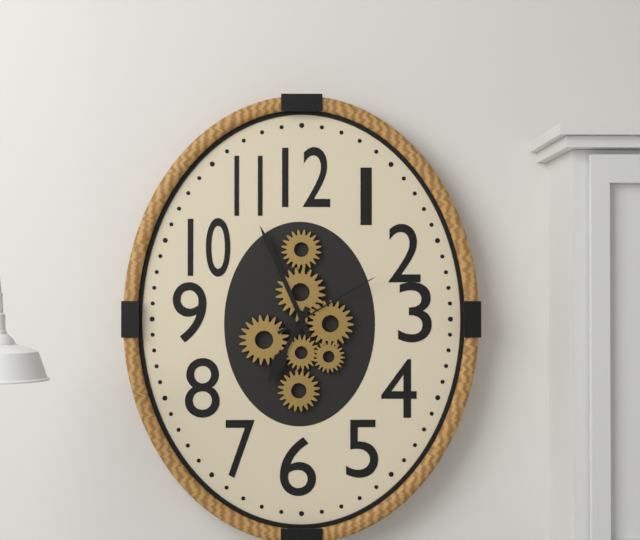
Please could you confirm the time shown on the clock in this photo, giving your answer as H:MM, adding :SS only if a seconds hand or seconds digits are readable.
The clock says 6:56:10
